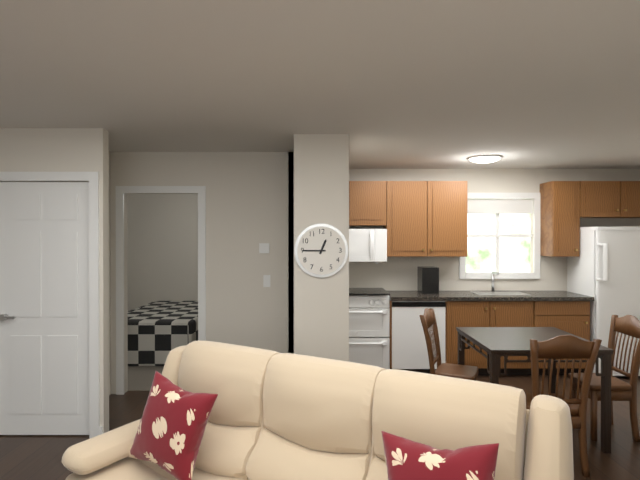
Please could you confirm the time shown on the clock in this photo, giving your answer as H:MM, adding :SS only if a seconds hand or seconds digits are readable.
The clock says 12:45
